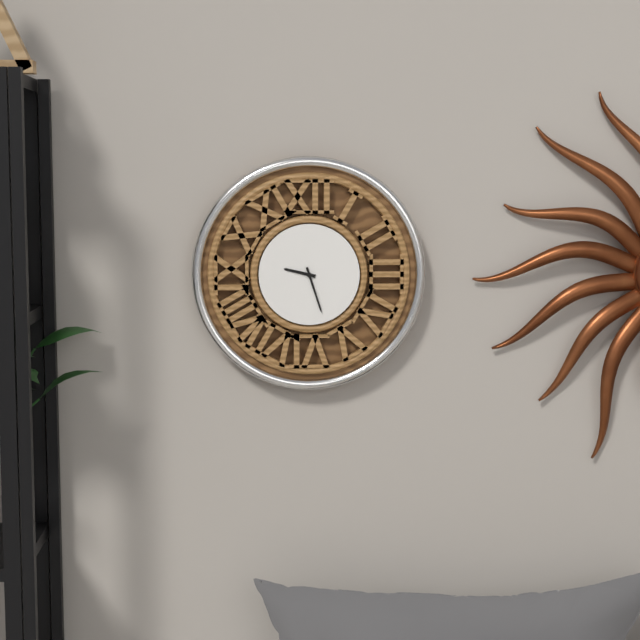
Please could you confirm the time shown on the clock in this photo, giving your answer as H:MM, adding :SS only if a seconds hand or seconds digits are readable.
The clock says 9:27
